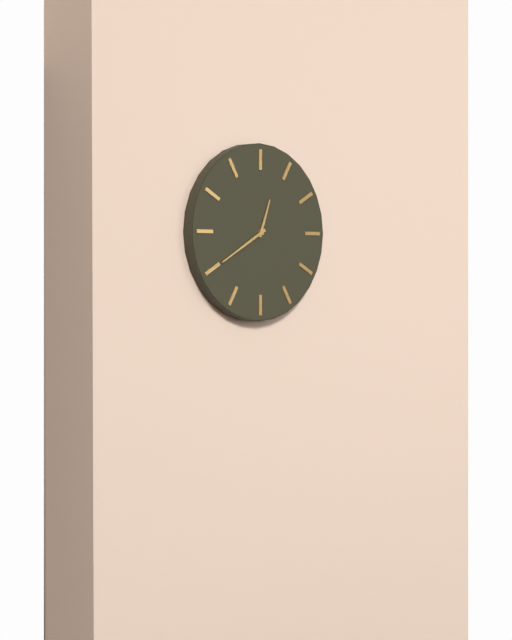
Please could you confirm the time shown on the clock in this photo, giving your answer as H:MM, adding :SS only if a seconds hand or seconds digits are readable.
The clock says 12:40
